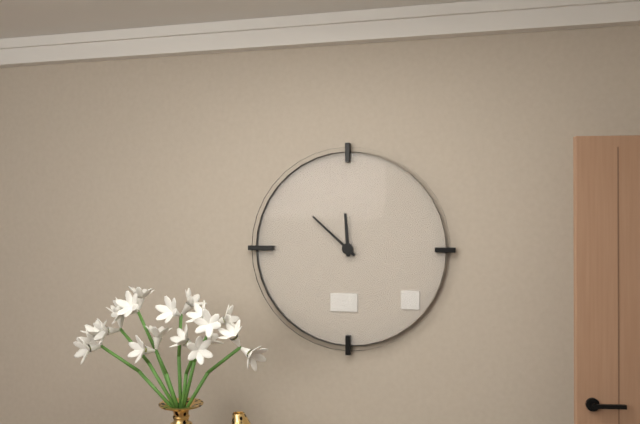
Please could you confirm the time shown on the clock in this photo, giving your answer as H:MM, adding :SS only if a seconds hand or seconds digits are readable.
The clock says 11:52
